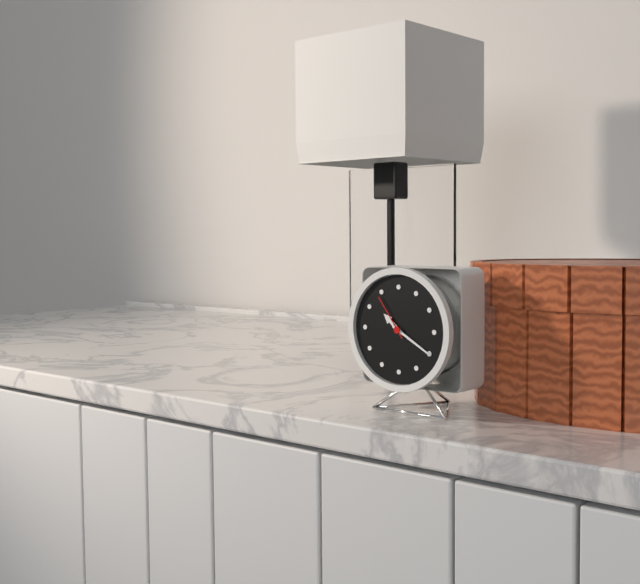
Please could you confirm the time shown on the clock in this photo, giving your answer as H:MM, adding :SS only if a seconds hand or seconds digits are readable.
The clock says 10:20
